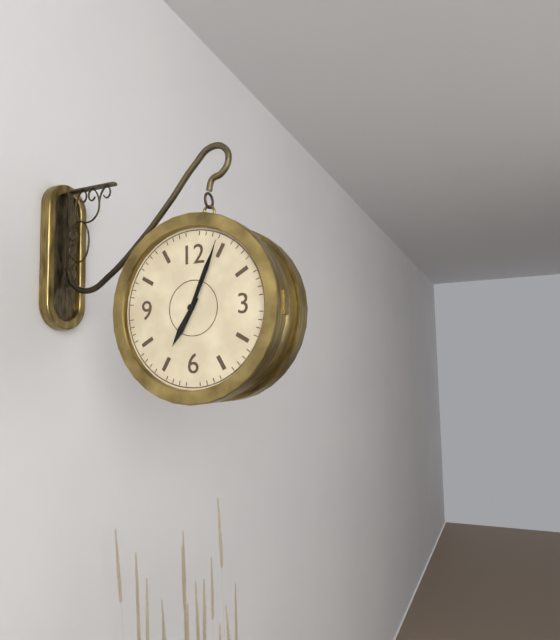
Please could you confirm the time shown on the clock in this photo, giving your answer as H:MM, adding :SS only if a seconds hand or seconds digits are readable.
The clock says 7:04:04
